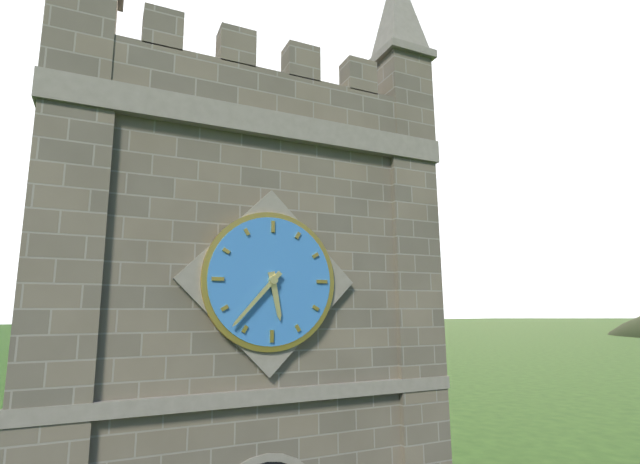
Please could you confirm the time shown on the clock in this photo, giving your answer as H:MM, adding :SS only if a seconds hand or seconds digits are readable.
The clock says 5:37
